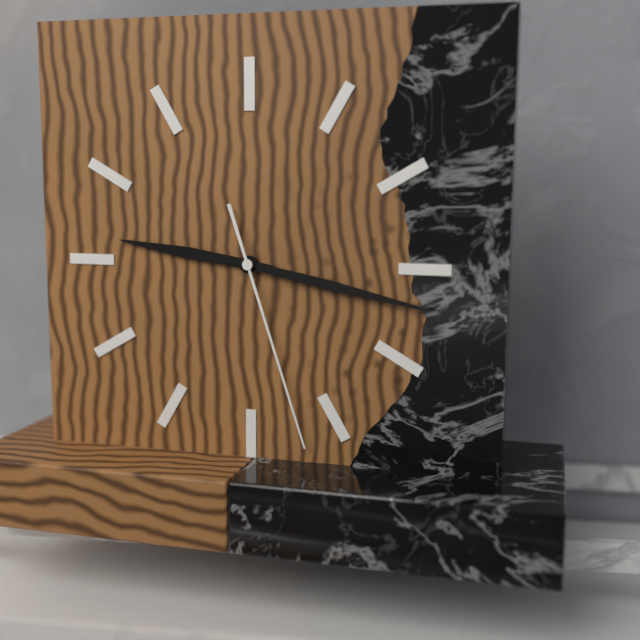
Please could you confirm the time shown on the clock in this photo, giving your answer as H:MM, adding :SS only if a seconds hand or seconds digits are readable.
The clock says 9:17:27
